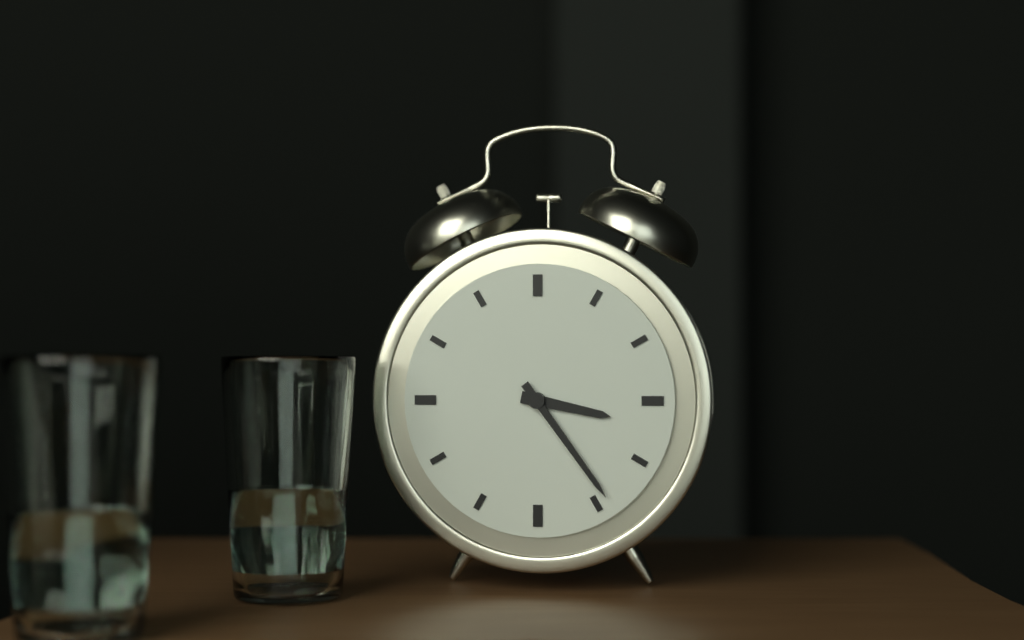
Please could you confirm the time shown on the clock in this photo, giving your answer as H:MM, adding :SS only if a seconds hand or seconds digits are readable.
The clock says 3:24
